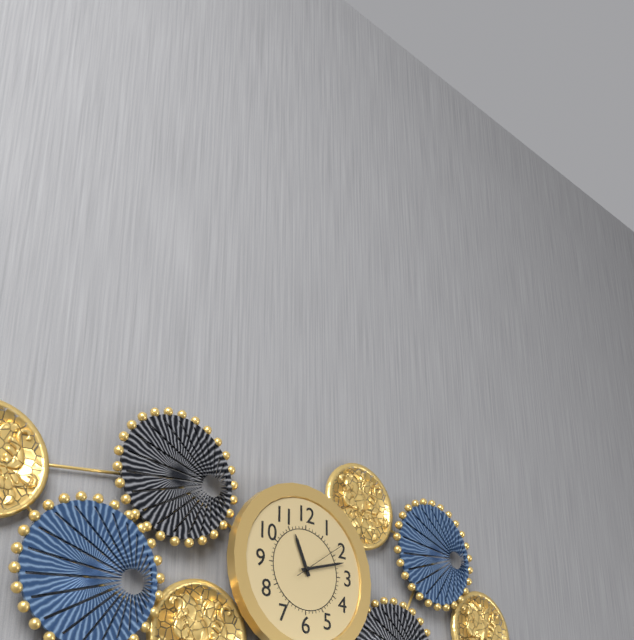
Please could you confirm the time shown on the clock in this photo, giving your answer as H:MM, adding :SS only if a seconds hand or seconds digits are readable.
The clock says 11:12:09
